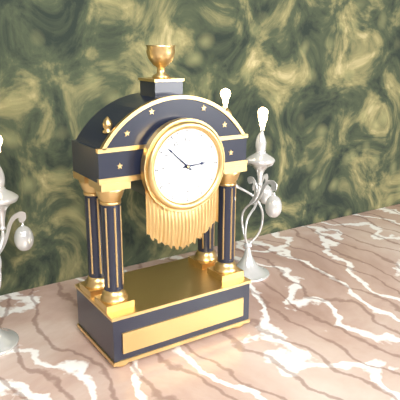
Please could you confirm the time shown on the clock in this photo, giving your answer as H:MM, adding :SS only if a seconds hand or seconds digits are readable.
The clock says 2:52
